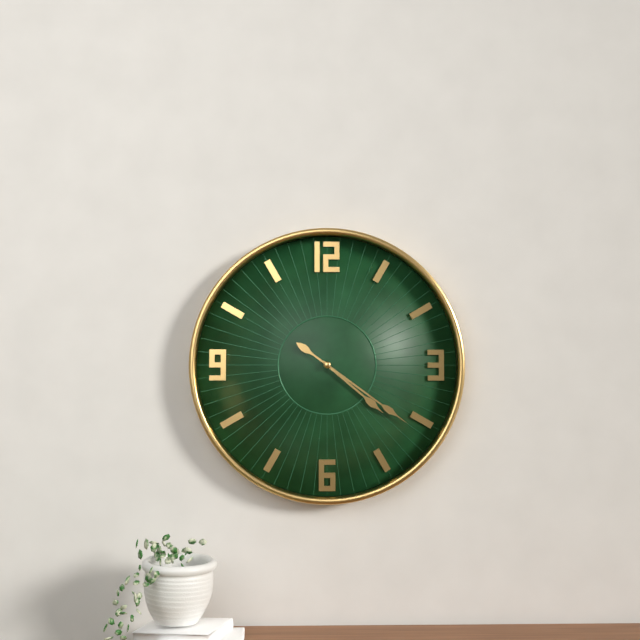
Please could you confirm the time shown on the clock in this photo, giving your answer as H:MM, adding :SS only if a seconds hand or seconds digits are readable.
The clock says 4:21
